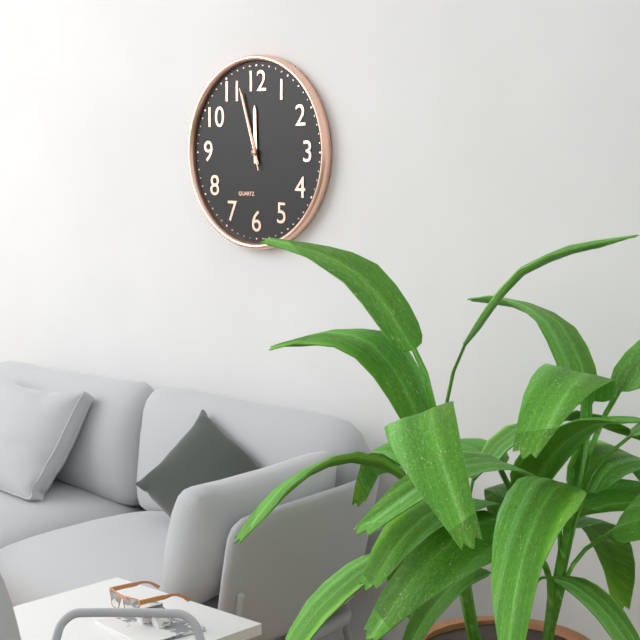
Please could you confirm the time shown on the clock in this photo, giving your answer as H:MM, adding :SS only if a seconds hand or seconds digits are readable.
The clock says 11:57:57
